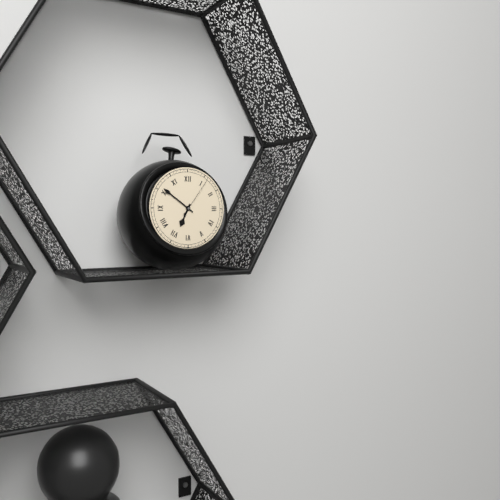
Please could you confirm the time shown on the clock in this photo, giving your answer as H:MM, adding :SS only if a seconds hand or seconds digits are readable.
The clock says 6:51
